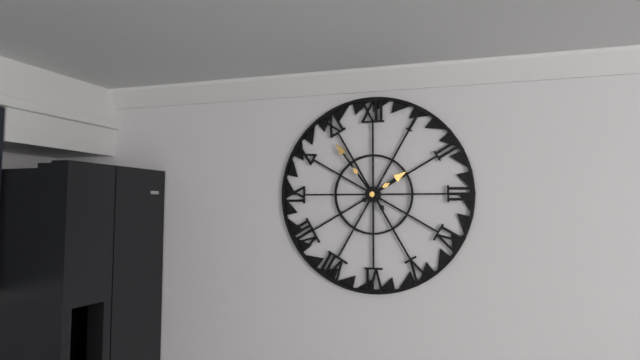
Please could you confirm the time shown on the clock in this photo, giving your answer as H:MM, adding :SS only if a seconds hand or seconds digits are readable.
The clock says 1:54
